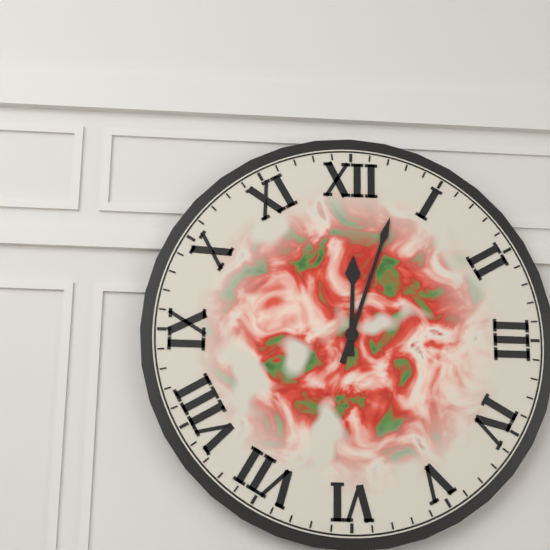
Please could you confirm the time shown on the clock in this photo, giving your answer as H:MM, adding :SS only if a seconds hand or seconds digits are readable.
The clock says 12:03
